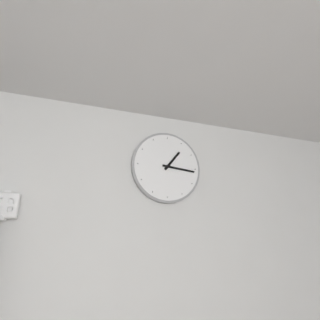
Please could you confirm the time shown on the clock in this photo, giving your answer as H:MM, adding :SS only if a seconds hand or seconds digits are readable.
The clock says 1:16
